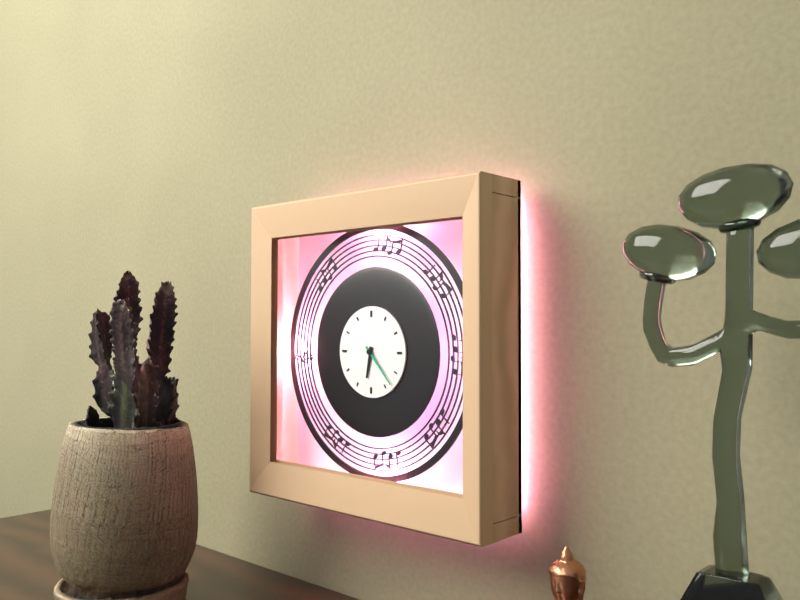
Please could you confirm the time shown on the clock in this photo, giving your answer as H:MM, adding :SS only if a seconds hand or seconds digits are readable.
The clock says 6:23
